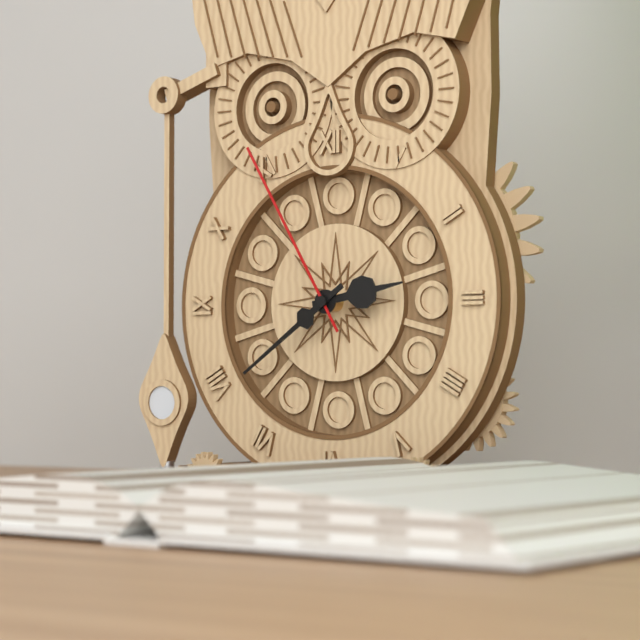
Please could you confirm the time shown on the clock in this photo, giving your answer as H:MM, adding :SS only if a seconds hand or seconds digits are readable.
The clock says 2:39:55
